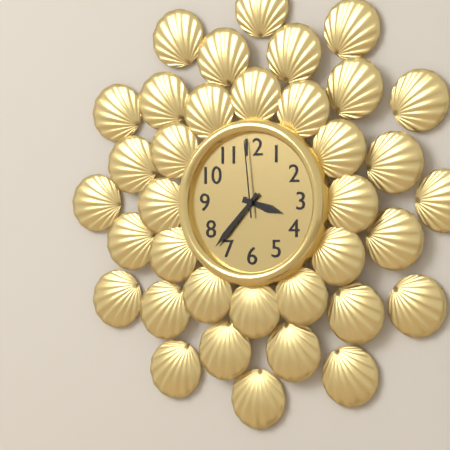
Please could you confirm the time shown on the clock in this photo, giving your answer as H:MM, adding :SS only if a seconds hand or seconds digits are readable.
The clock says 3:37:59
